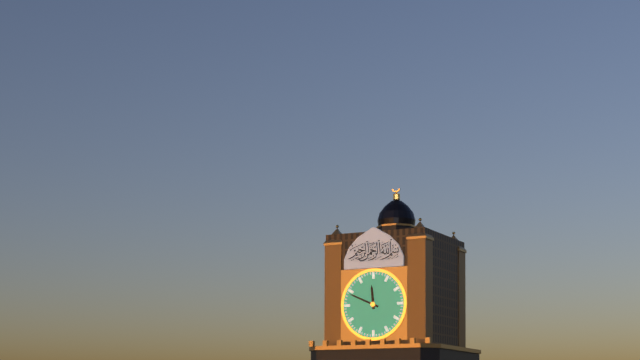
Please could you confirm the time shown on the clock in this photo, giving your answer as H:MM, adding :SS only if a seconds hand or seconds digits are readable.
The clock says 11:49
